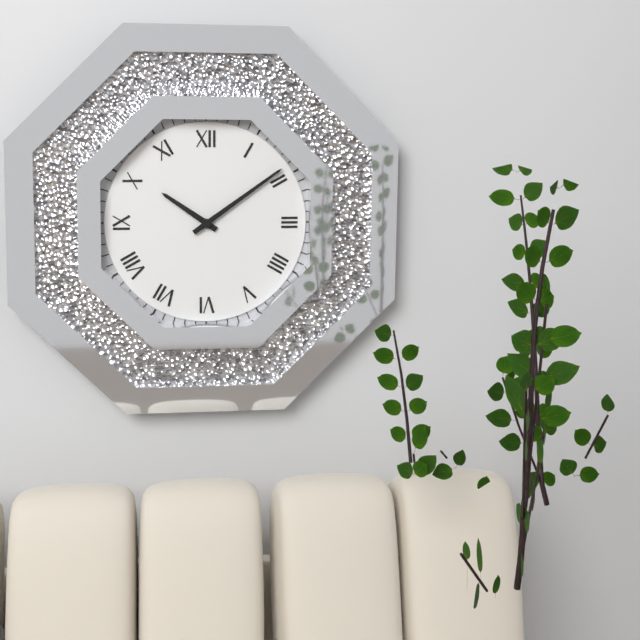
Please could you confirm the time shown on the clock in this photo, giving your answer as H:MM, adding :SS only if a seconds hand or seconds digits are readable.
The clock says 10:09
